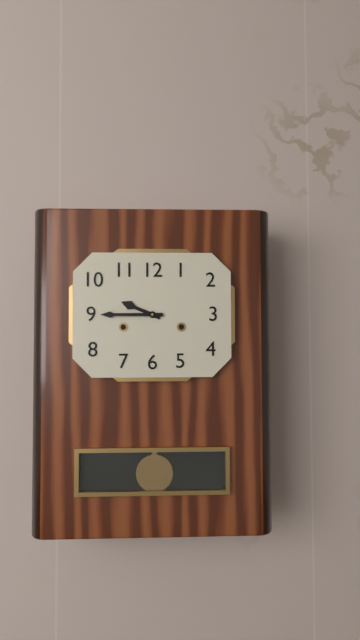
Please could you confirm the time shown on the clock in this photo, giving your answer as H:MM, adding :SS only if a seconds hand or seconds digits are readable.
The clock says 9:45
